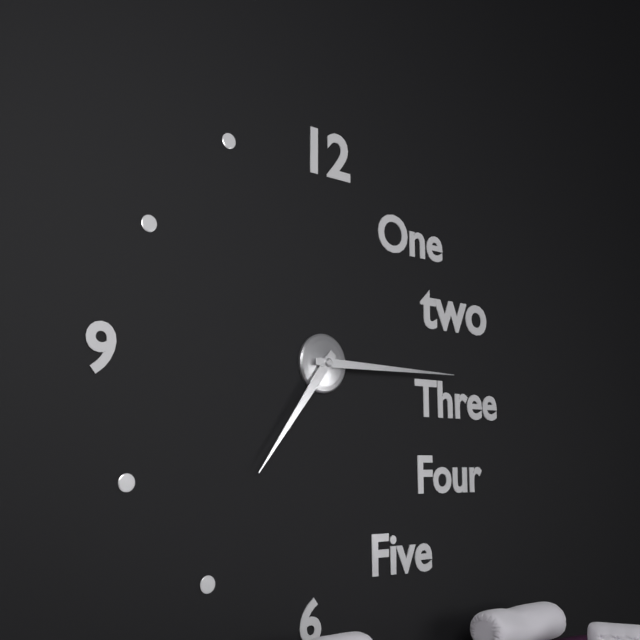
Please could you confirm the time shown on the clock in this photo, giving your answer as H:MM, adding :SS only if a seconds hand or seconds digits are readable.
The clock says 7:15
